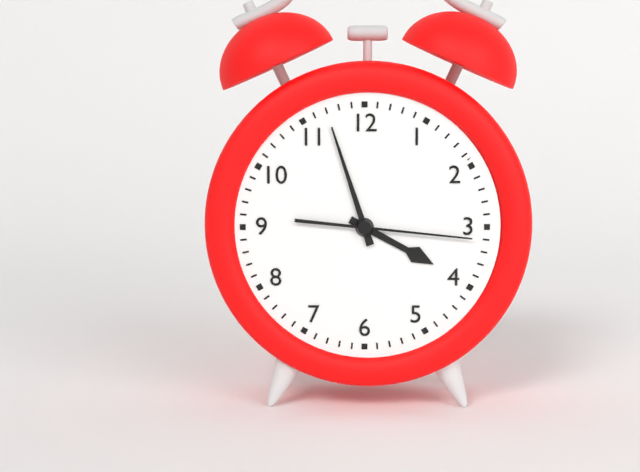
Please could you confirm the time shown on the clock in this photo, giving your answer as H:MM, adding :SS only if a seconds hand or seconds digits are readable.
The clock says 3:57:16
